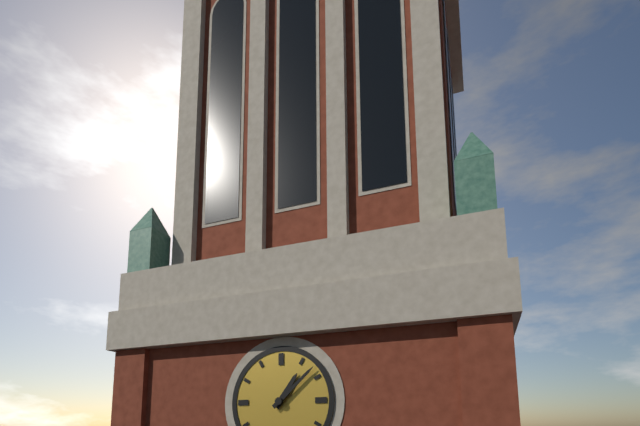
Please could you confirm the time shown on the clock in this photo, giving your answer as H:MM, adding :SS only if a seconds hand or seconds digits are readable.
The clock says 1:08
